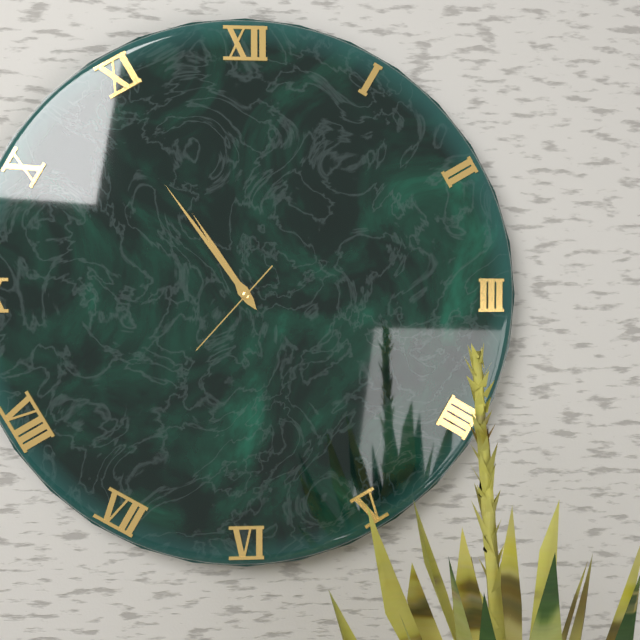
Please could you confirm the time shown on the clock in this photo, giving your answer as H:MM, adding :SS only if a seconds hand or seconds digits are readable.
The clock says 10:54:37
